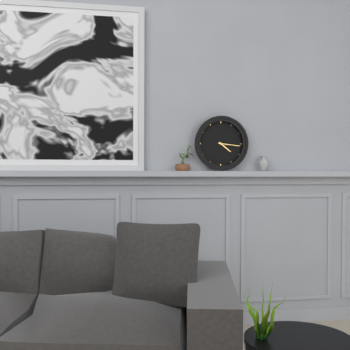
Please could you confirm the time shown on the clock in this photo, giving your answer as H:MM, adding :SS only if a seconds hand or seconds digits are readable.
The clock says 4:16
